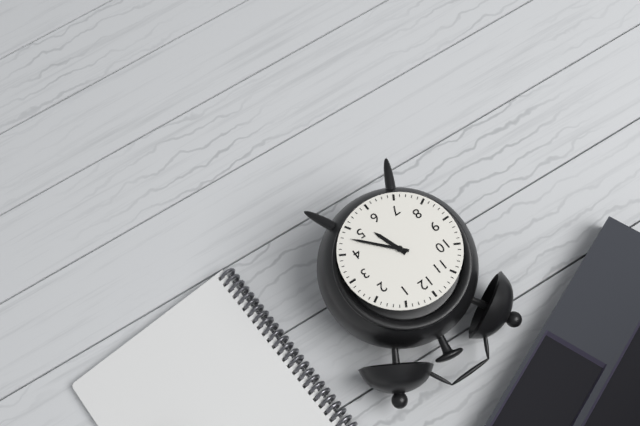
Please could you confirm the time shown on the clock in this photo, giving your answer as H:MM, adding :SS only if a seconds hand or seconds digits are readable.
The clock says 5:23
